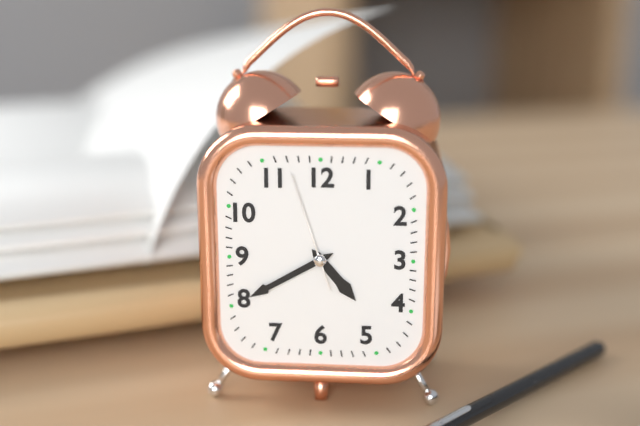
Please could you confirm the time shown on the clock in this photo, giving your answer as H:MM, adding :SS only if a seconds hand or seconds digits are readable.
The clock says 4:40:57
